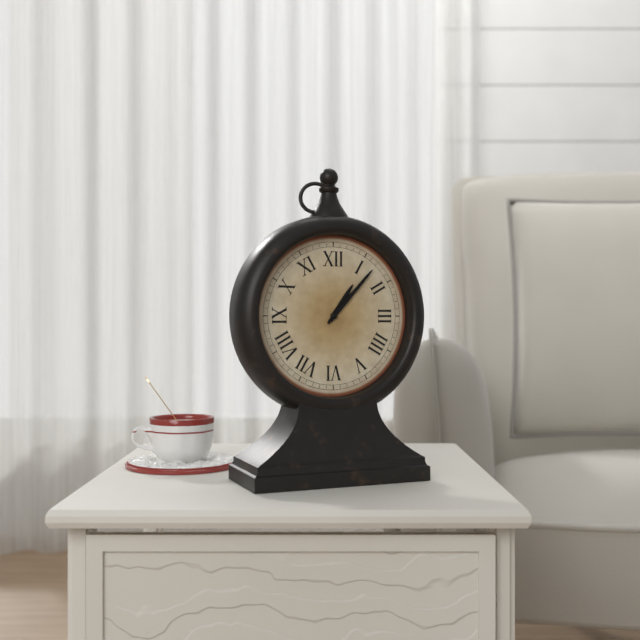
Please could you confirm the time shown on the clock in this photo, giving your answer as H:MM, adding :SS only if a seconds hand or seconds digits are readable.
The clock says 1:07
